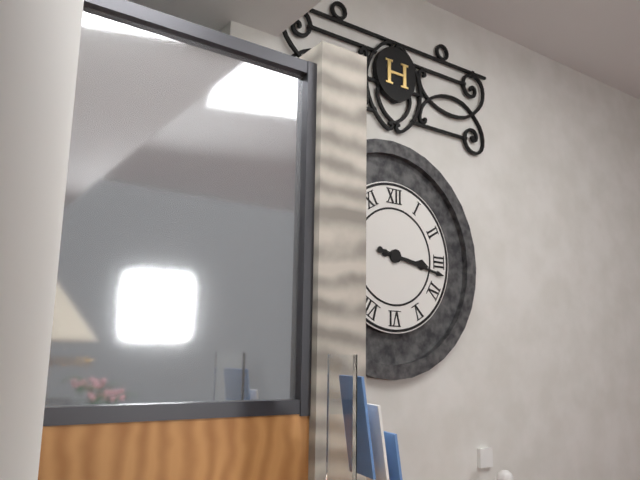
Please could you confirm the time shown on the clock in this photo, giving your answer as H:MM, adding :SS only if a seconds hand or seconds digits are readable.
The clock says 3:17
